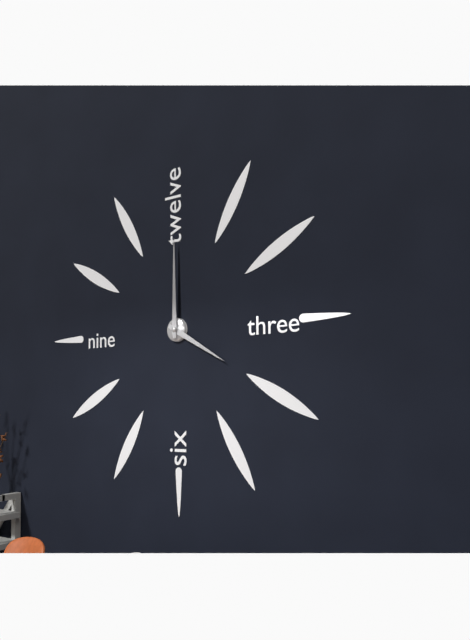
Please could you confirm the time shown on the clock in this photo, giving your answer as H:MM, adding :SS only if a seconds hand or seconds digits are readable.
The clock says 4:00
